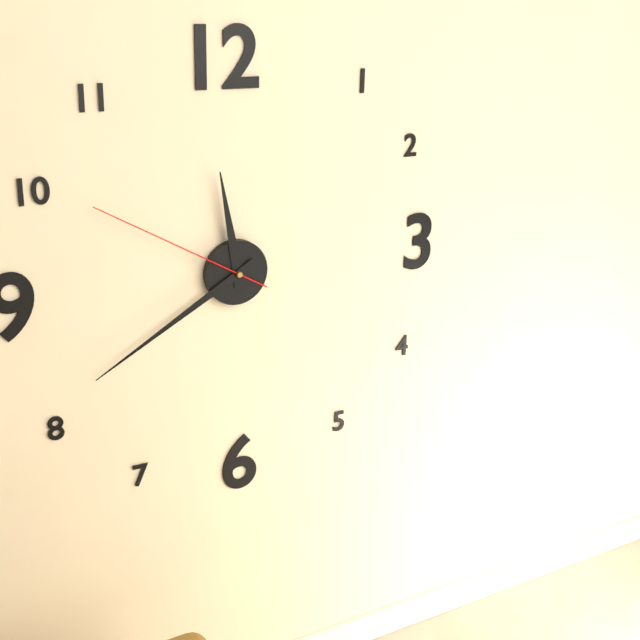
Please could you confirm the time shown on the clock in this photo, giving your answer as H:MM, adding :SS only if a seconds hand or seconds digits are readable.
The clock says 11:40:50
